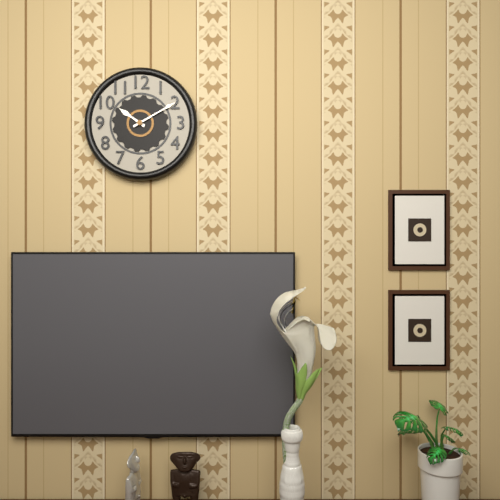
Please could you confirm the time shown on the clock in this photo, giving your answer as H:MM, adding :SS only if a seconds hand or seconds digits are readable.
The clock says 10:10
